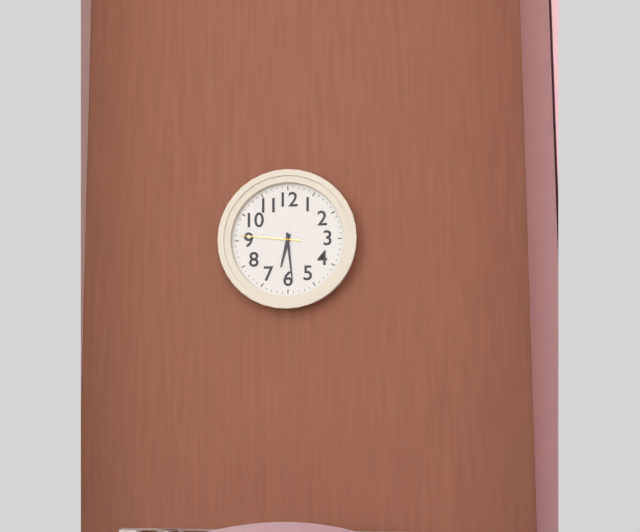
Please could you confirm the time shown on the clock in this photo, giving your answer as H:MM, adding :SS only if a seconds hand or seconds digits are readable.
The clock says 6:29:46
